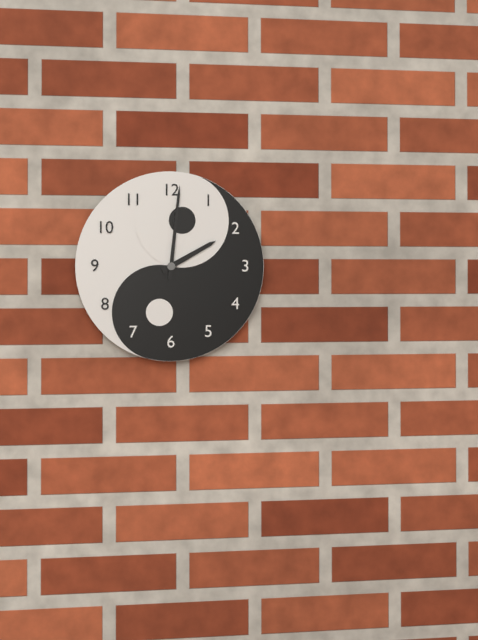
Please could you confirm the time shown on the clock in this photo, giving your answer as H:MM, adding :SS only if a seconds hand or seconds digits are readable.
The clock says 2:01
